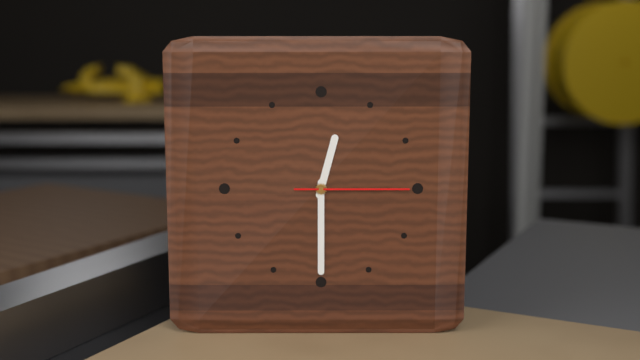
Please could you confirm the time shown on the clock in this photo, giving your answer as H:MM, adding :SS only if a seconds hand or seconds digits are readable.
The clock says 12:30:15
